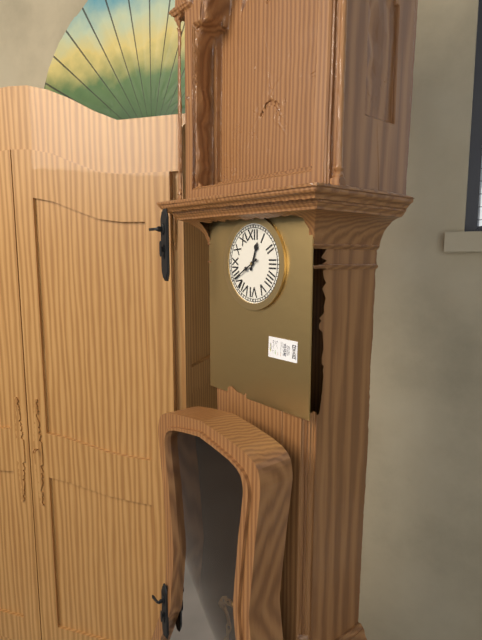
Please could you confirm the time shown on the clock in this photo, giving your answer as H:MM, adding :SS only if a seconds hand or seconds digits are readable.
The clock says 12:40
